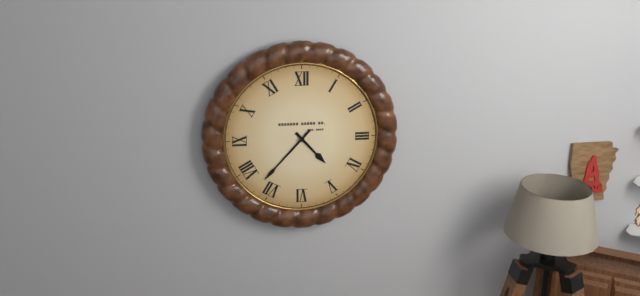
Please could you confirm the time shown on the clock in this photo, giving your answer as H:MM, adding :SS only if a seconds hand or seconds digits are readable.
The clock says 4:37
